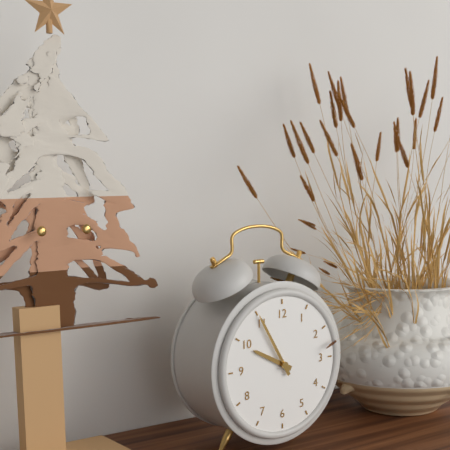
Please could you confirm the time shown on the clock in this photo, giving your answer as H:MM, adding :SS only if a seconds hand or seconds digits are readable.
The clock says 9:55
